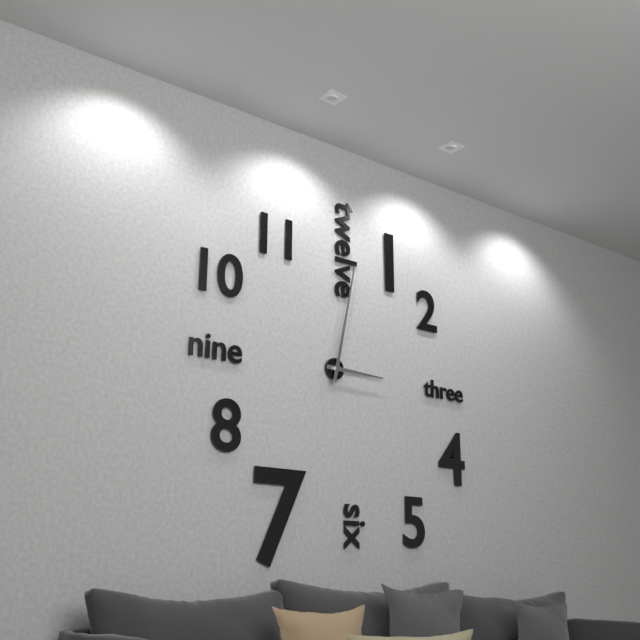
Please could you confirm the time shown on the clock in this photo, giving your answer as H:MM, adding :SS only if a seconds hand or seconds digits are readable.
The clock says 3:02
